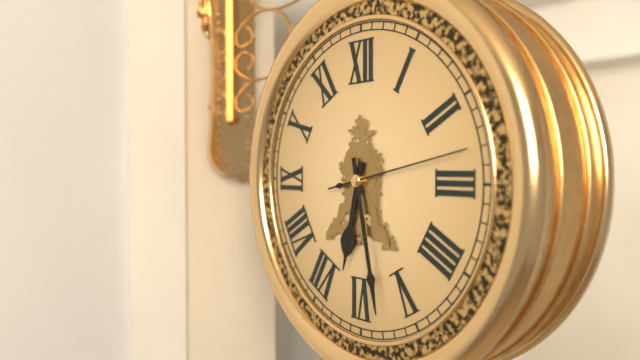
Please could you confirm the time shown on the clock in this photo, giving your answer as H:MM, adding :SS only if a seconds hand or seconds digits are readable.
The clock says 6:28:13
